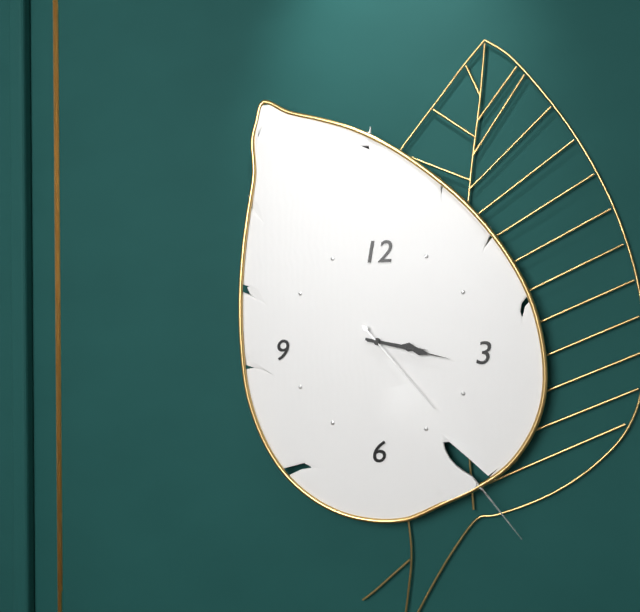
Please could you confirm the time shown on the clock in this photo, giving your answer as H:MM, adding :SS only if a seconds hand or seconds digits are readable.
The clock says 3:17:23
